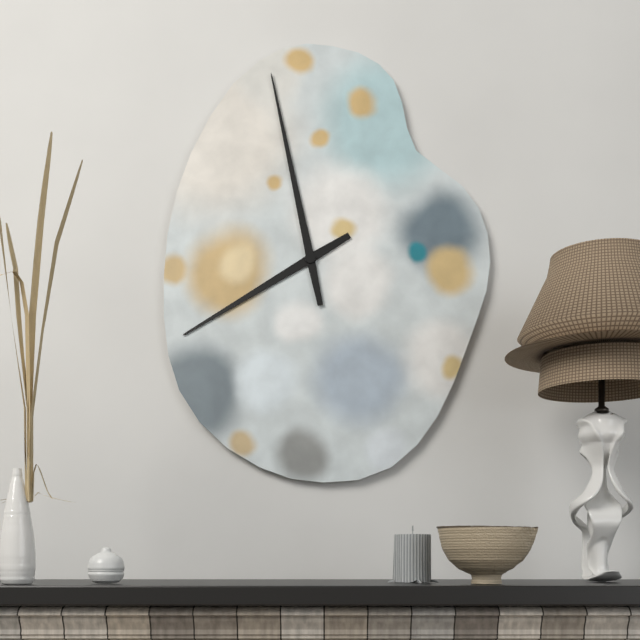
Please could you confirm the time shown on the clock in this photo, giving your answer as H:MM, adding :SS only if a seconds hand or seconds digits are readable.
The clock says 7:58
